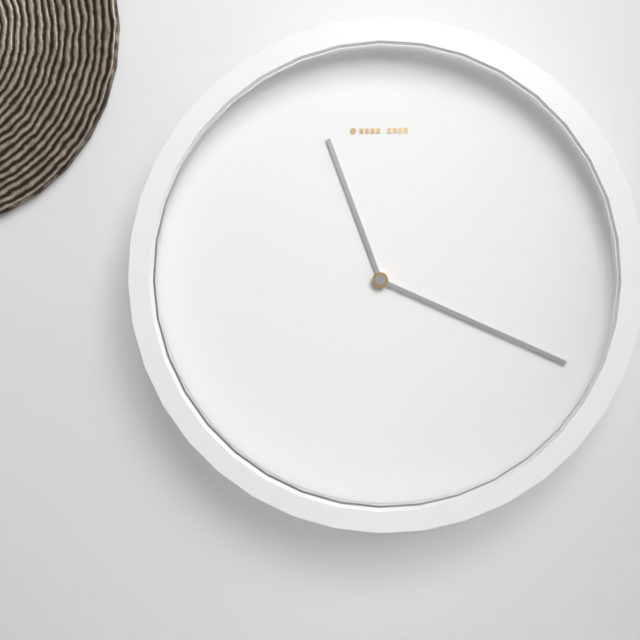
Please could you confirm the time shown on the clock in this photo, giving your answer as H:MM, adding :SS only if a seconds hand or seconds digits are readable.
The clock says 11:19
